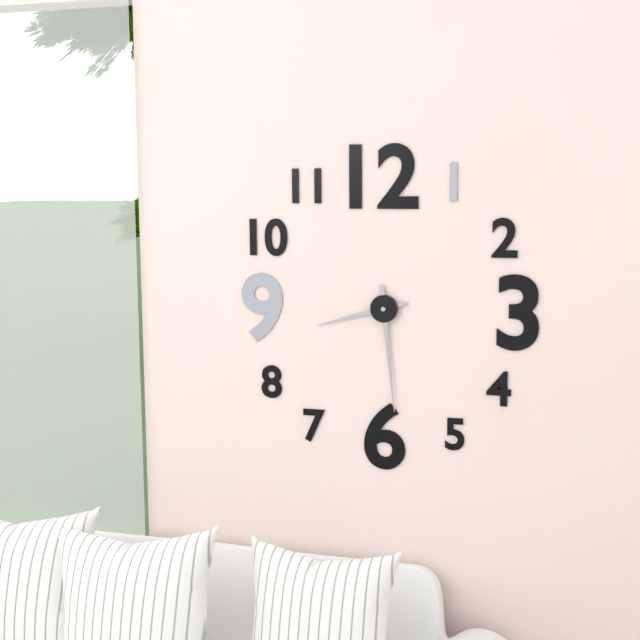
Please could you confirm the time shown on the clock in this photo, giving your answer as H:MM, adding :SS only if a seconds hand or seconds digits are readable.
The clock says 8:29
